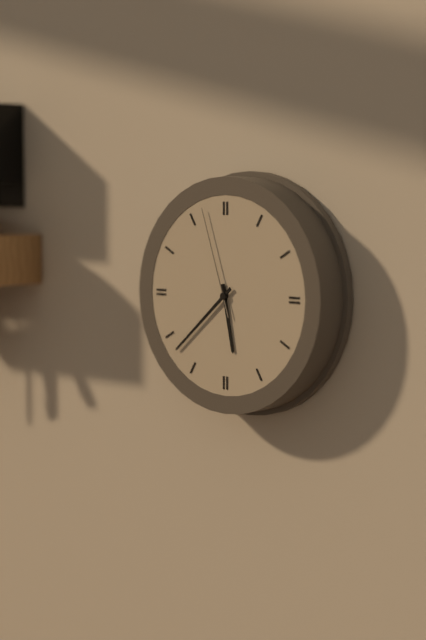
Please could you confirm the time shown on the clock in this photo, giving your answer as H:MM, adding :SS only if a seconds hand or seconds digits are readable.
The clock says 5:38:57
